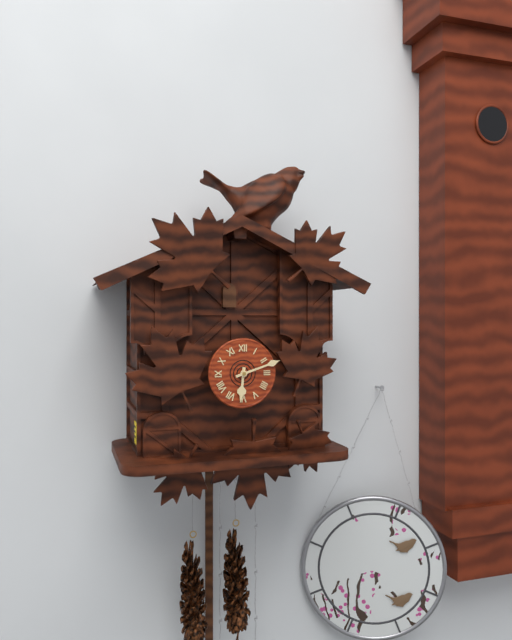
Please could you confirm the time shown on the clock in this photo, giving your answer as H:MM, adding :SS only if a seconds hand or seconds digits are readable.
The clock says 6:12
